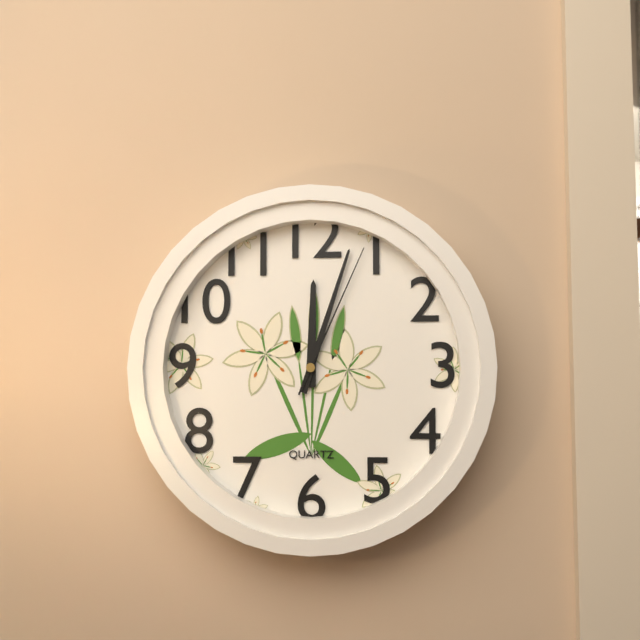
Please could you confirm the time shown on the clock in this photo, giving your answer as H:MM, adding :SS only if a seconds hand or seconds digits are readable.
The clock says 12:03:04
